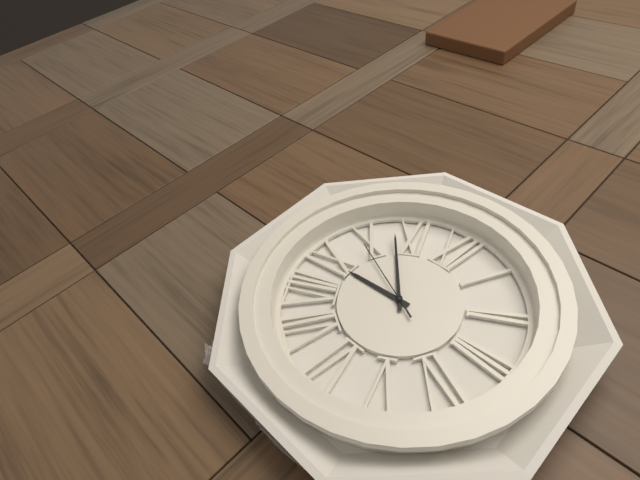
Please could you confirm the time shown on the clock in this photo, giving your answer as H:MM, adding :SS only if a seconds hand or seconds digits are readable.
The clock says 8:53:49
